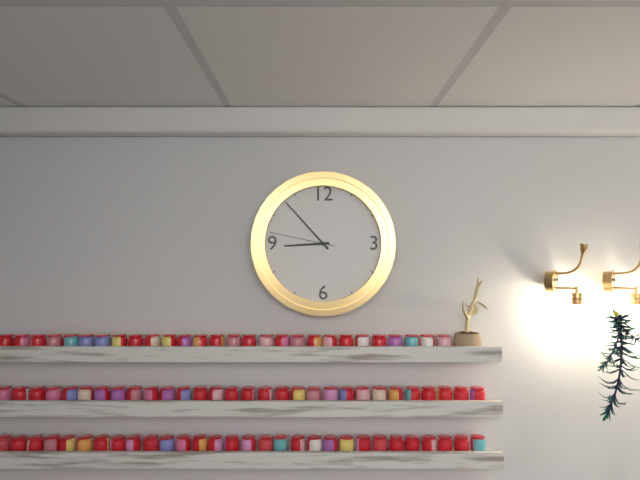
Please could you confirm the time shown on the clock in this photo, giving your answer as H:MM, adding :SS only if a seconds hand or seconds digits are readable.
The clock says 8:53:47
